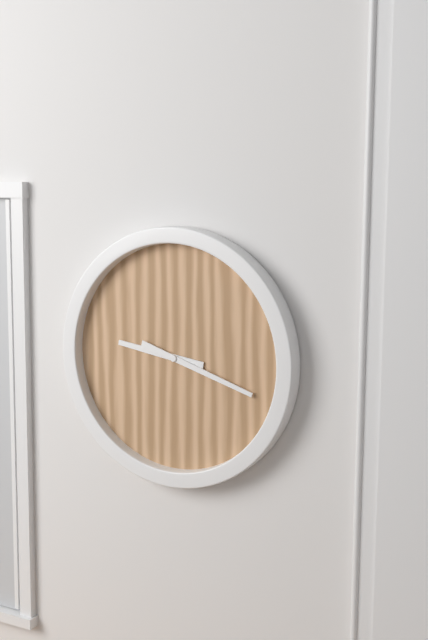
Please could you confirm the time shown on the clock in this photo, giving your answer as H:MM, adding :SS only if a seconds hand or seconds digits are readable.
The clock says 9:18
